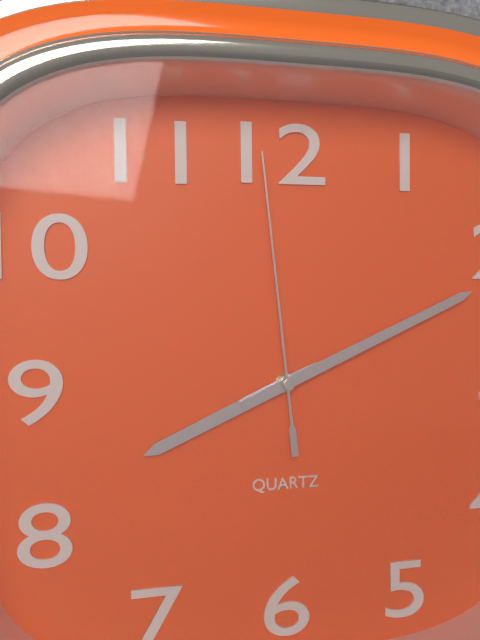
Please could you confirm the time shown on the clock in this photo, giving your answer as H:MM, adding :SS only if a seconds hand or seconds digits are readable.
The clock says 8:11:59
